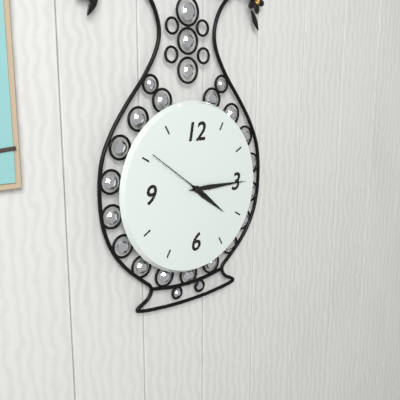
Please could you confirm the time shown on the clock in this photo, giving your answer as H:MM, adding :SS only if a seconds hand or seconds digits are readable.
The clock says 4:15:51
